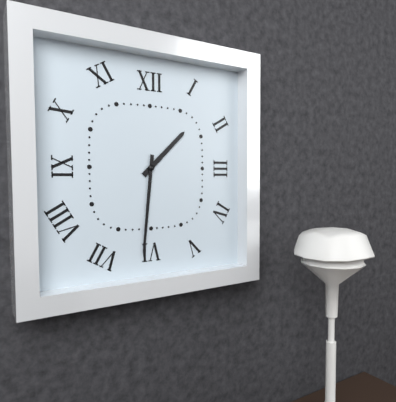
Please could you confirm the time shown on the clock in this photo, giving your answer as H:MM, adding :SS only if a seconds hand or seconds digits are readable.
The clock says 1:31
